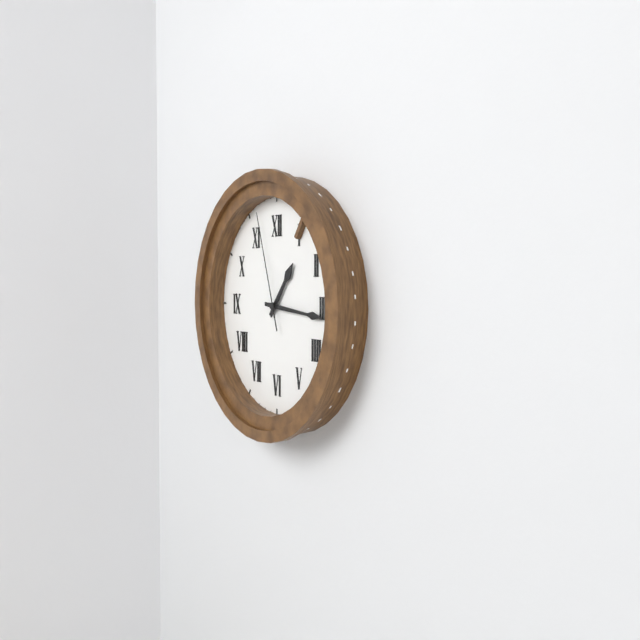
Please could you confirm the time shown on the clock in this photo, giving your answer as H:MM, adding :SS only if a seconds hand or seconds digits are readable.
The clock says 1:16:57
